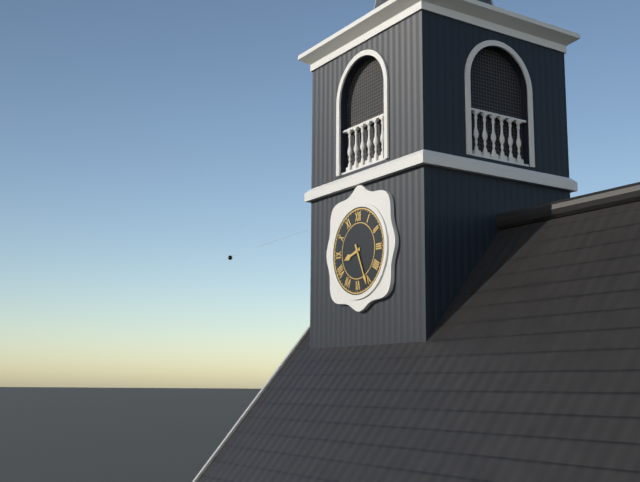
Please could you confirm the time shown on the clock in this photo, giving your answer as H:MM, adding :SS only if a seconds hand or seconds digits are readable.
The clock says 8:26
